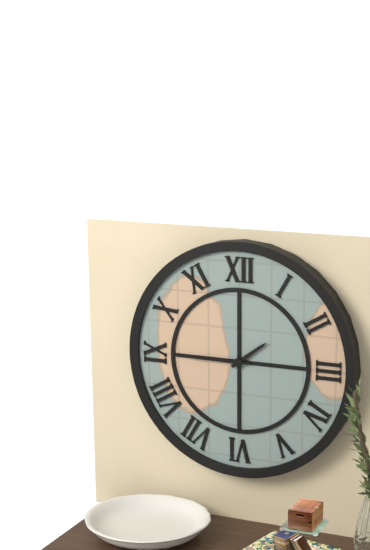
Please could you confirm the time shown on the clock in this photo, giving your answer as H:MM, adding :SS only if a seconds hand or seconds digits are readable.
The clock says 1:45
